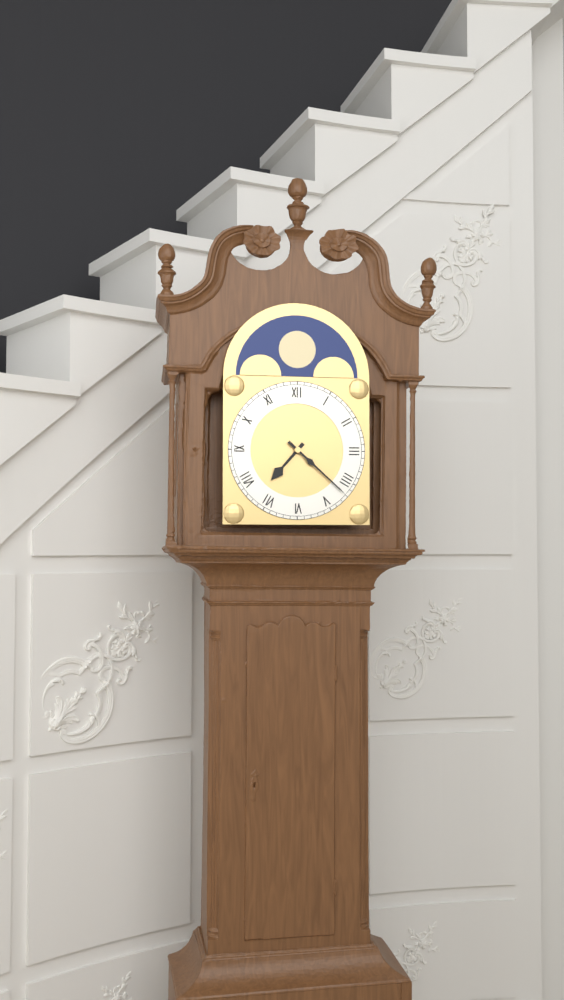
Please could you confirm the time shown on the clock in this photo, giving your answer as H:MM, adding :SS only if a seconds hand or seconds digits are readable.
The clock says 7:22
